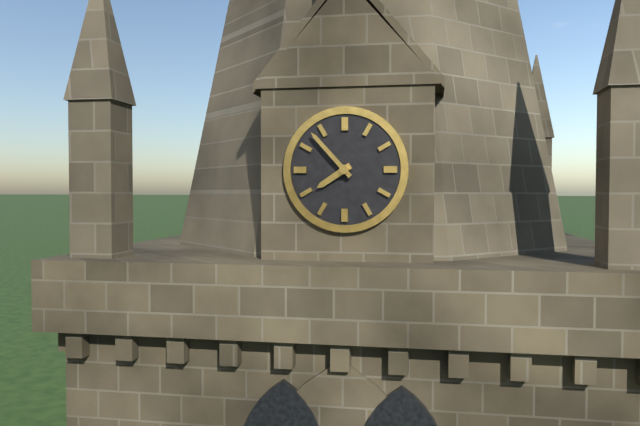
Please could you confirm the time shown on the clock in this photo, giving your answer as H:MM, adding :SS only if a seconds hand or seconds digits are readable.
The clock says 7:53
